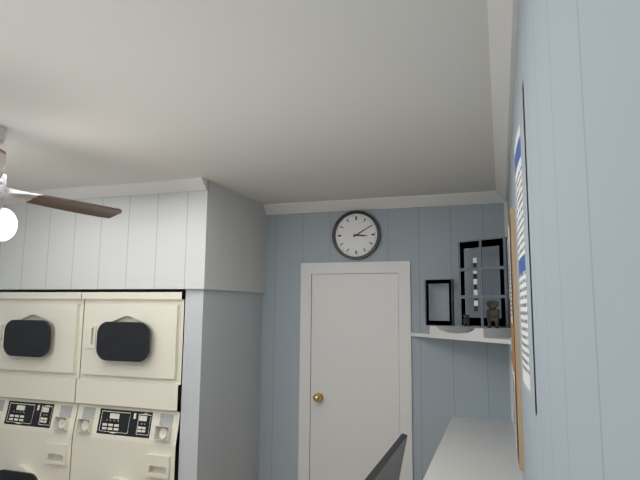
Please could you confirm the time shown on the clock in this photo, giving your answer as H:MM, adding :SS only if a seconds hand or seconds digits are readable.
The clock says 3:10
